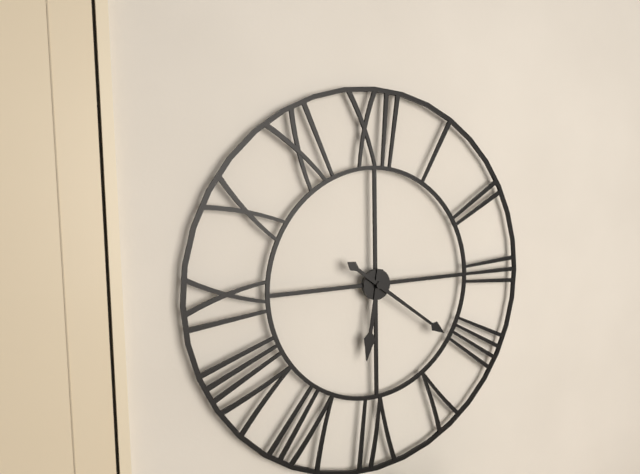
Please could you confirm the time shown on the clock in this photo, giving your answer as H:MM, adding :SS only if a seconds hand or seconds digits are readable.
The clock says 6:21
